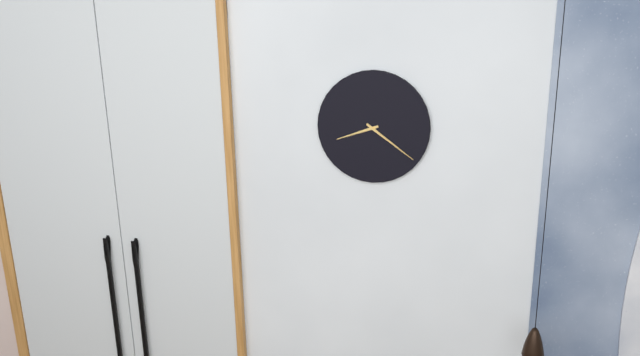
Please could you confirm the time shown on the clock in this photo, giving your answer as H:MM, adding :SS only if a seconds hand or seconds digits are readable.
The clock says 8:21
